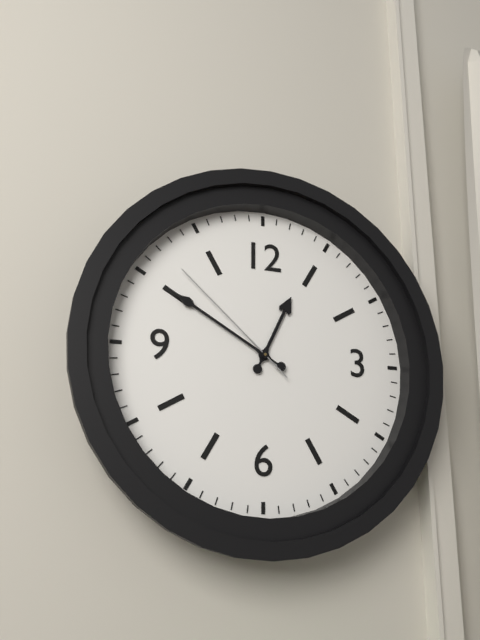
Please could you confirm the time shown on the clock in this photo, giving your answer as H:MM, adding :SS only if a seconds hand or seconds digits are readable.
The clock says 12:50:52
